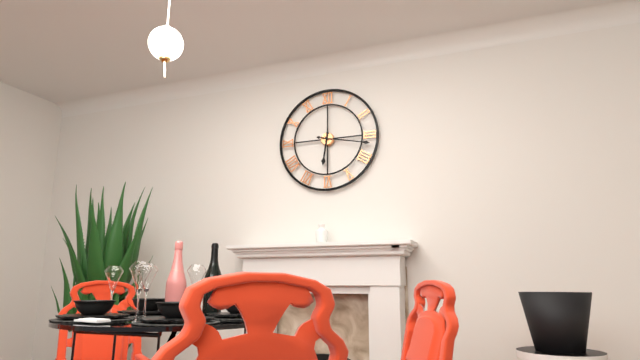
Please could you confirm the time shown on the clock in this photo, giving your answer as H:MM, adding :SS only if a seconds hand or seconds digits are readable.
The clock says 6:17
